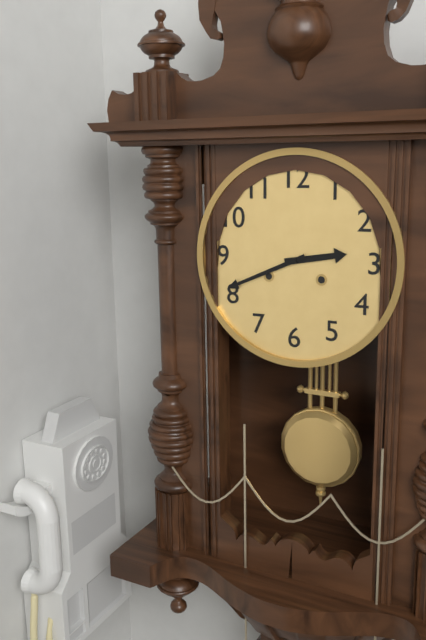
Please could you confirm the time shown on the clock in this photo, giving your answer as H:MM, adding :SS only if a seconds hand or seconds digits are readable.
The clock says 2:41
